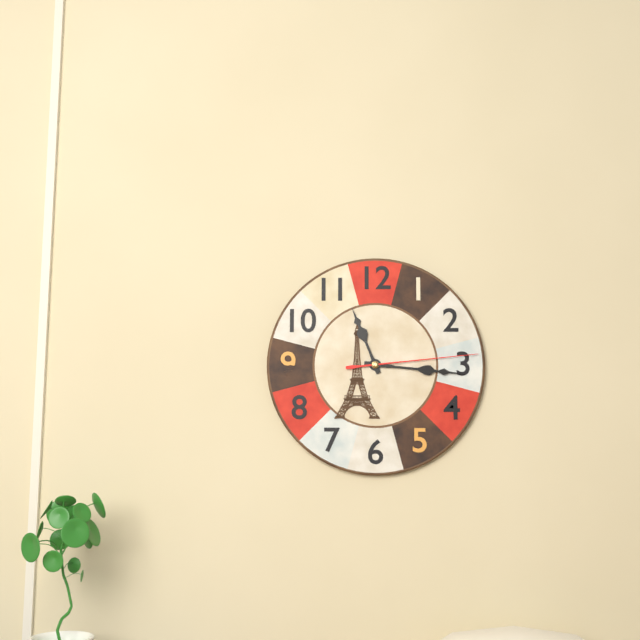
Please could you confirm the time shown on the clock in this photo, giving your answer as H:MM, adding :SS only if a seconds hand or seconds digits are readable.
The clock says 11:16:14
